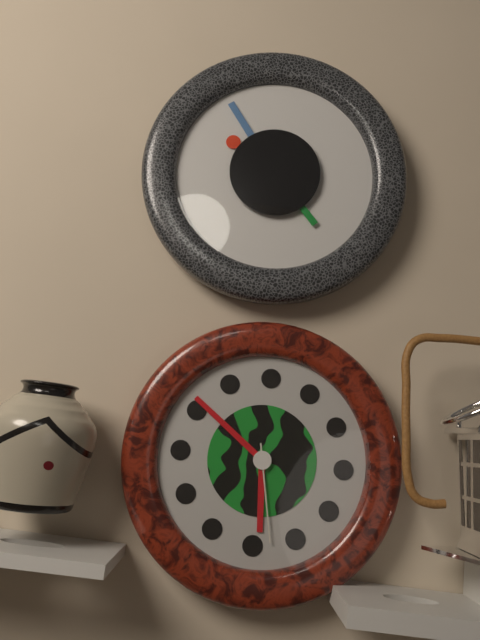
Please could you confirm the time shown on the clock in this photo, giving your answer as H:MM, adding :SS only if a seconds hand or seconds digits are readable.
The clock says 5:51:28
